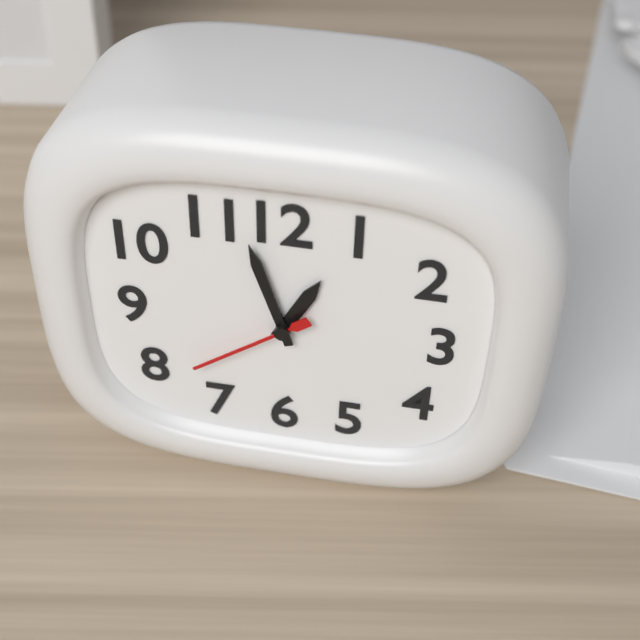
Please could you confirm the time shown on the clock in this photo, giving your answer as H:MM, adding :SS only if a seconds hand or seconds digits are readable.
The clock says 12:57:39
